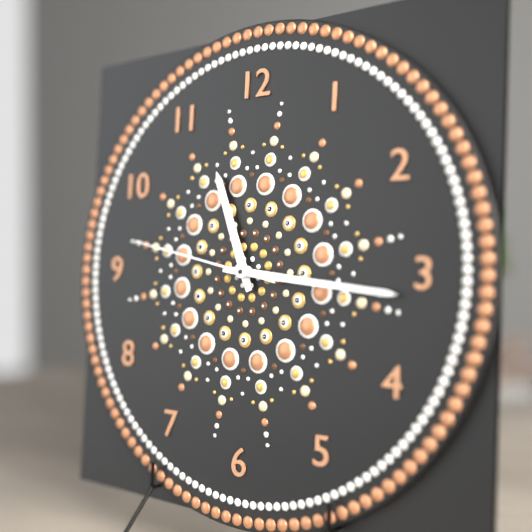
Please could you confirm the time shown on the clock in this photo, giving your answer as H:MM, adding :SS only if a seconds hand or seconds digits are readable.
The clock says 11:16:47
